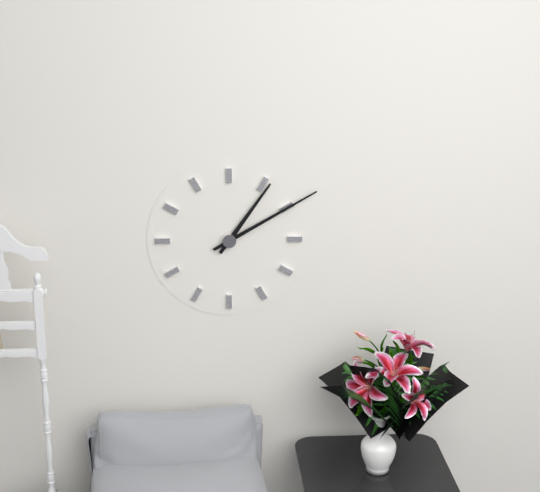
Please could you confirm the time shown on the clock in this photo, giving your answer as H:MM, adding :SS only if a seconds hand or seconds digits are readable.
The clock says 1:10
